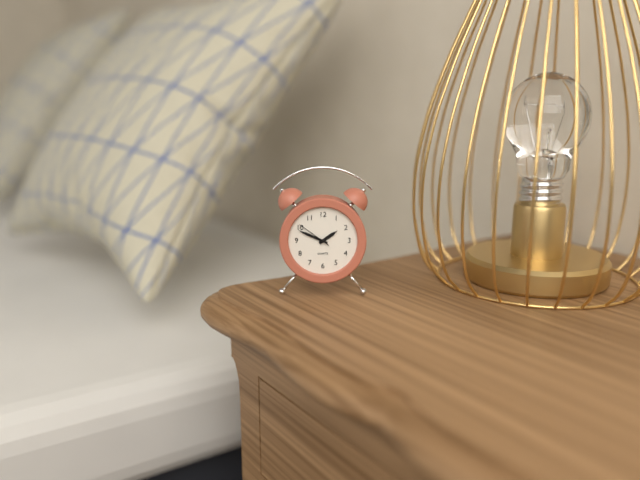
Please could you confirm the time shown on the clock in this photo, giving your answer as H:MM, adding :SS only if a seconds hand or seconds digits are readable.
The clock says 1:49
